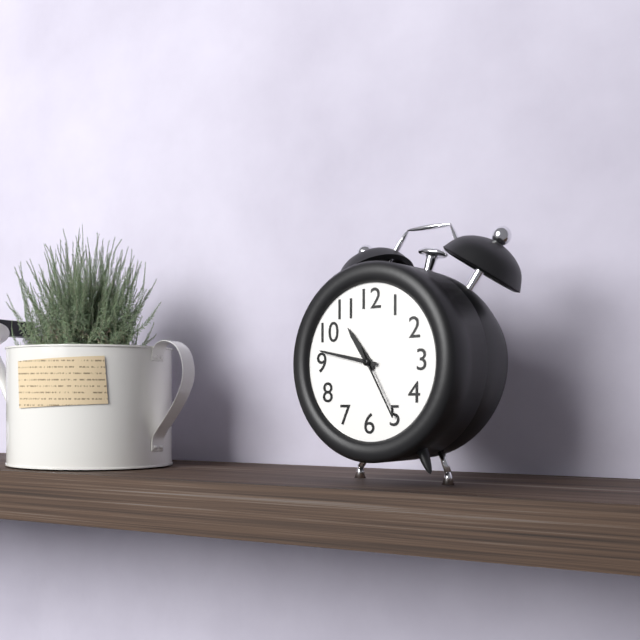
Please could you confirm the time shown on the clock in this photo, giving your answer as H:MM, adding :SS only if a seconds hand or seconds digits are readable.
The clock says 10:47:25
